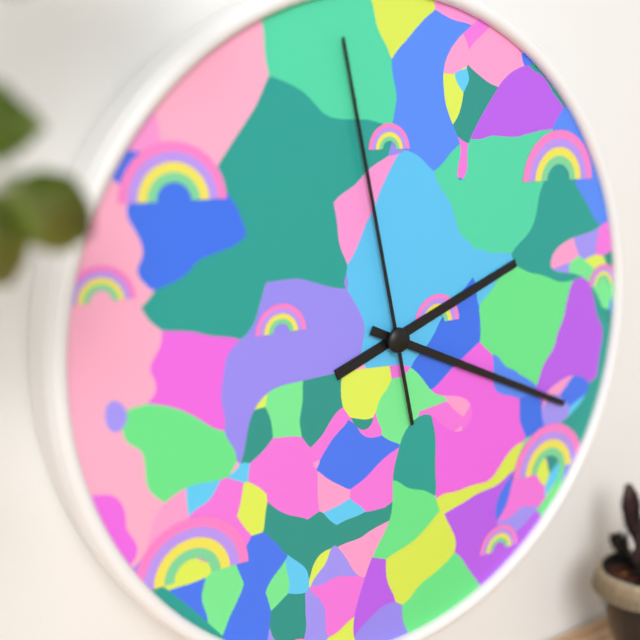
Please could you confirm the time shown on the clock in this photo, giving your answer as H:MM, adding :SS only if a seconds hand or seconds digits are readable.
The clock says 2:19:58
